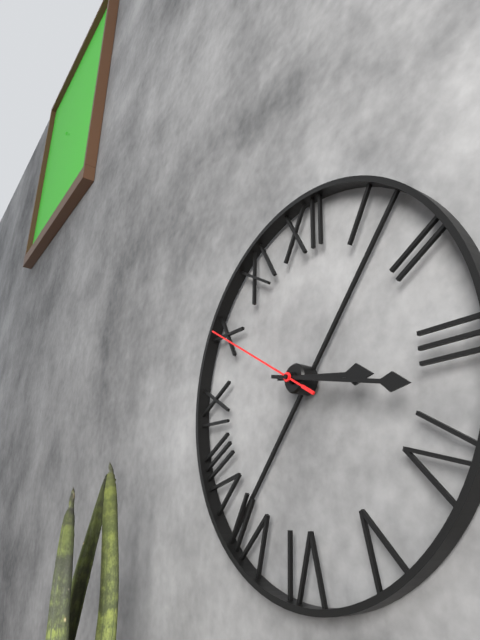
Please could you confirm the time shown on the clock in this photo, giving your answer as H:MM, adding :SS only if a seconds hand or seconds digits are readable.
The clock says 3:17:50
